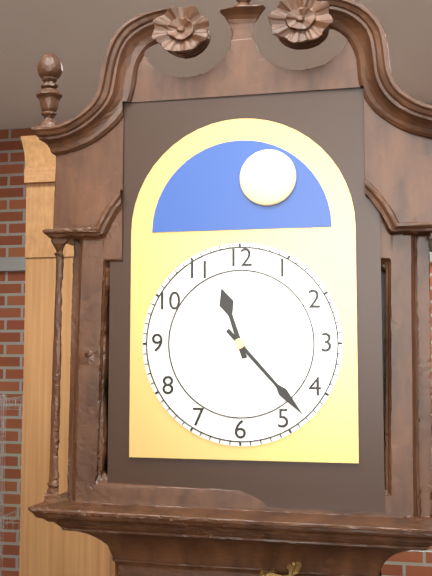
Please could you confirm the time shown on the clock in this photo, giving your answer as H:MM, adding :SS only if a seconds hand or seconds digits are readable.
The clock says 11:23
